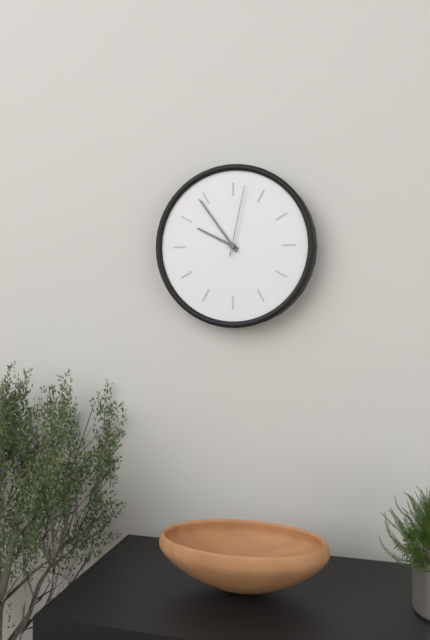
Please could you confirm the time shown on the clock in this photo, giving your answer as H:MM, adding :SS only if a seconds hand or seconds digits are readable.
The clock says 9:54:02
